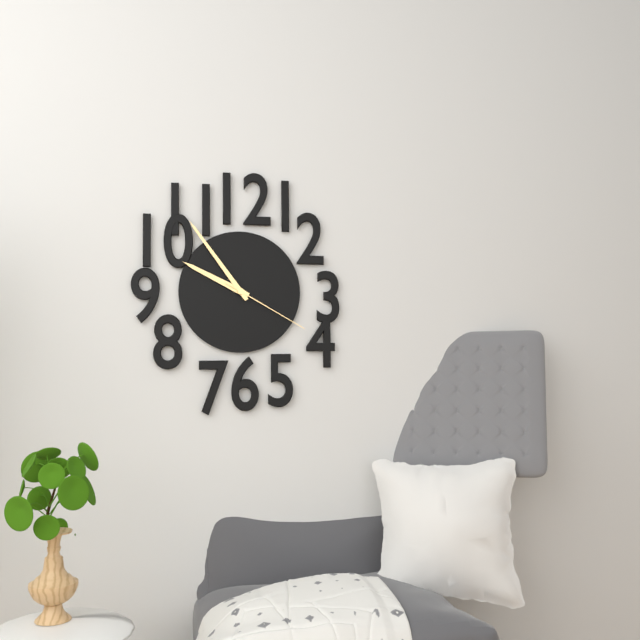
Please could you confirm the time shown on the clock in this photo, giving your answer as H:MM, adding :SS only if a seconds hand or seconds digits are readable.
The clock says 9:54:20
